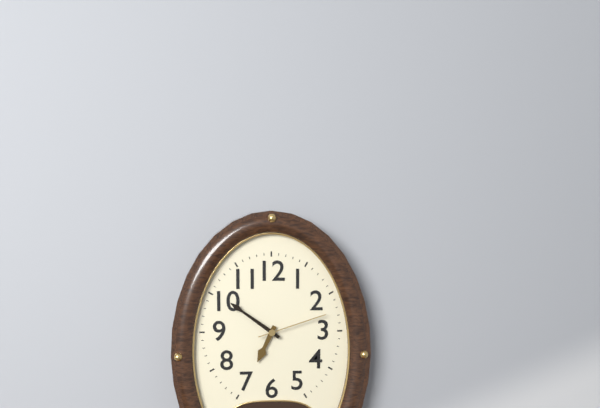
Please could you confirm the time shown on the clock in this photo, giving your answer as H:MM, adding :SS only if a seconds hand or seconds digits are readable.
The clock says 6:51:12
